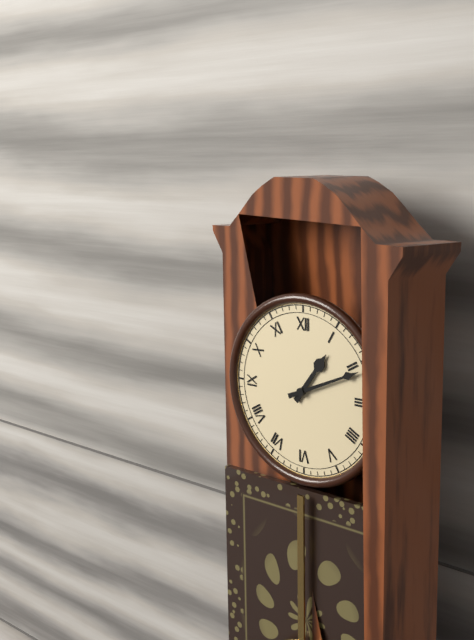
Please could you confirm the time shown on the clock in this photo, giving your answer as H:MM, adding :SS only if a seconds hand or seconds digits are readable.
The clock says 1:11
